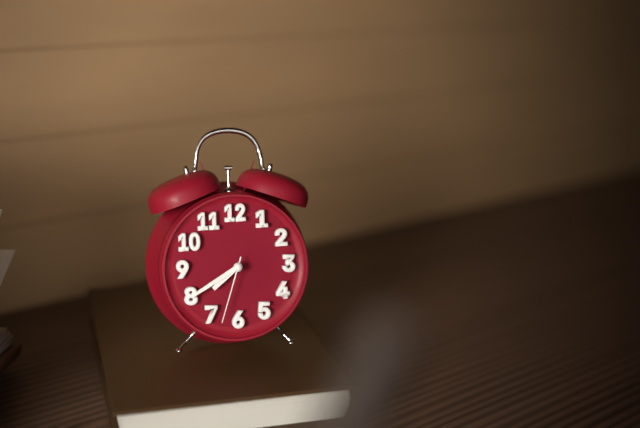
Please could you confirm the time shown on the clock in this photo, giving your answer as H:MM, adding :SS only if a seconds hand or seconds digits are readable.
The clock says 7:40:33
